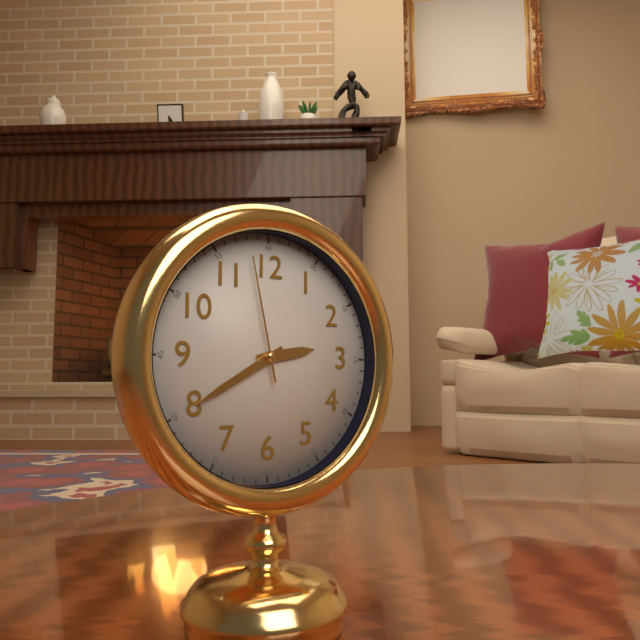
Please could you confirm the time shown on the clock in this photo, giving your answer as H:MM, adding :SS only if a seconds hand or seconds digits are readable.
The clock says 2:40:58
